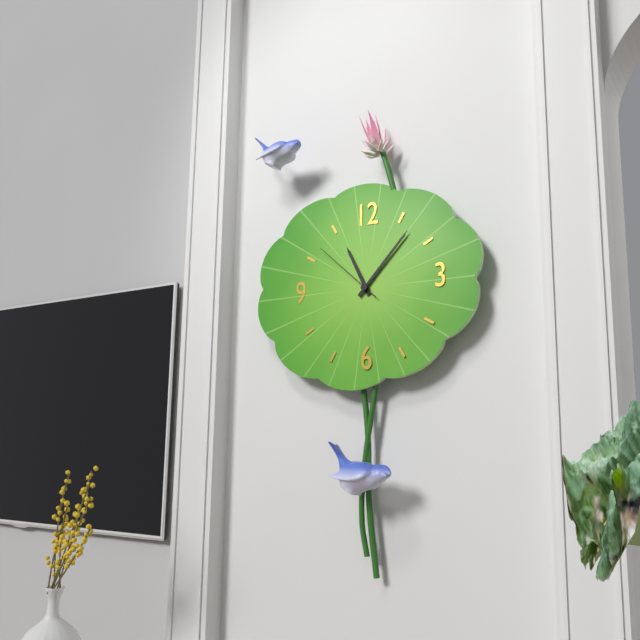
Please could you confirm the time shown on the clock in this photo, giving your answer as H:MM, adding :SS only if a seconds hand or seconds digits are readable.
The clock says 11:07:52
